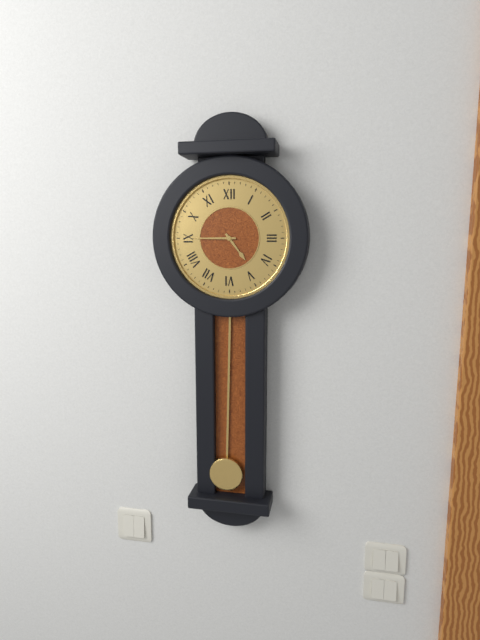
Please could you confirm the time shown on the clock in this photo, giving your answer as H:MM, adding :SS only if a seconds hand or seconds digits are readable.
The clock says 4:45
